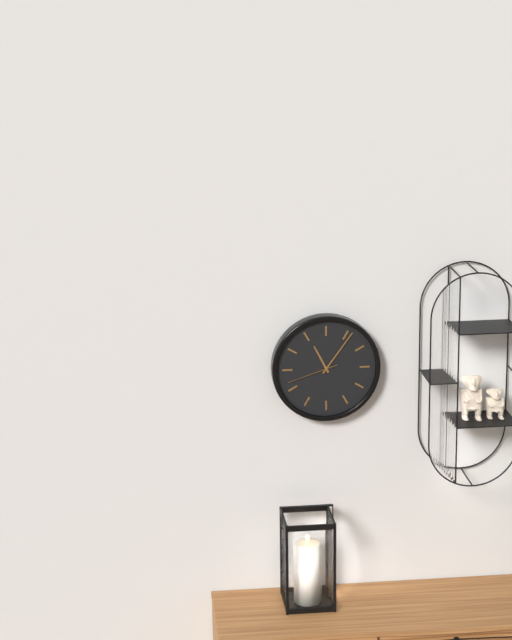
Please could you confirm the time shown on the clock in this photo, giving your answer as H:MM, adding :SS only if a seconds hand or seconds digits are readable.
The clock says 11:06:42
